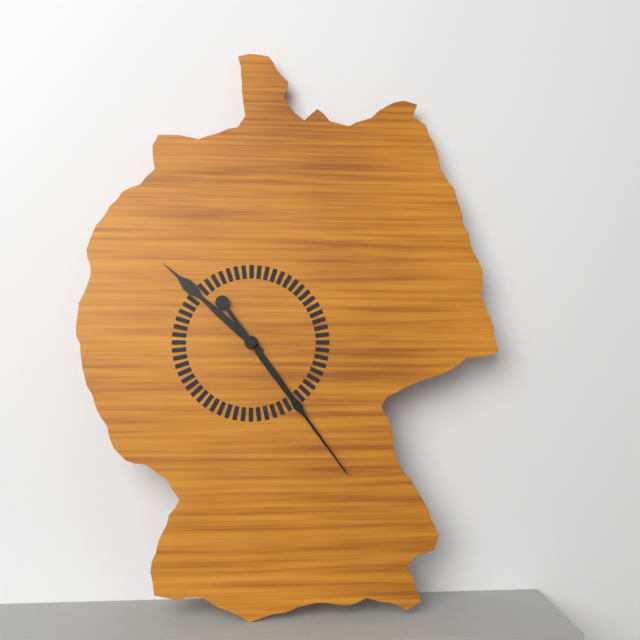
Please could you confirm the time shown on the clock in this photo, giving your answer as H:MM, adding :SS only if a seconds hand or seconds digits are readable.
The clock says 10:24
